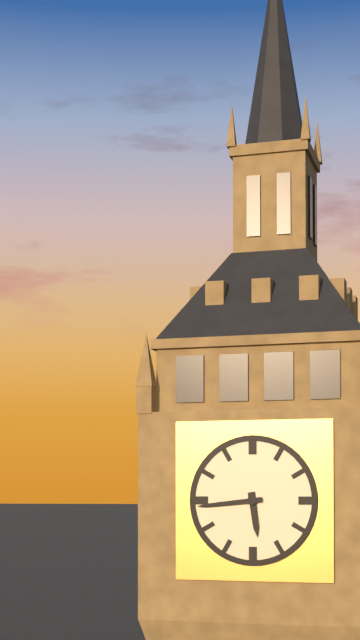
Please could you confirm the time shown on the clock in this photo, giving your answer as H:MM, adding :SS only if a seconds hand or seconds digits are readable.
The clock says 5:44
